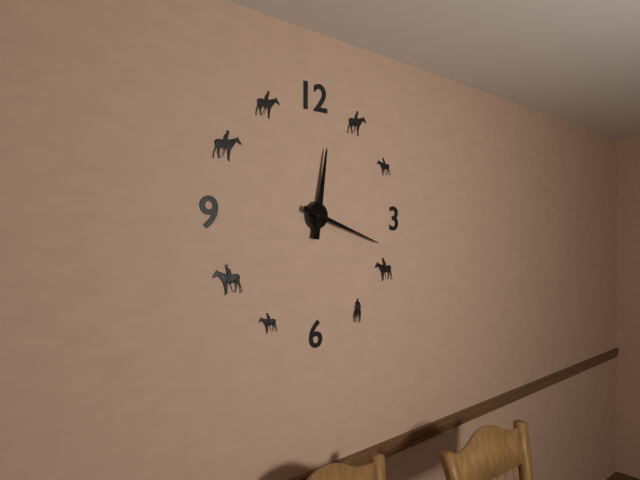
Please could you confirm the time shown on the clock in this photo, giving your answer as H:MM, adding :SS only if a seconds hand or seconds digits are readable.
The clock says 12:18
